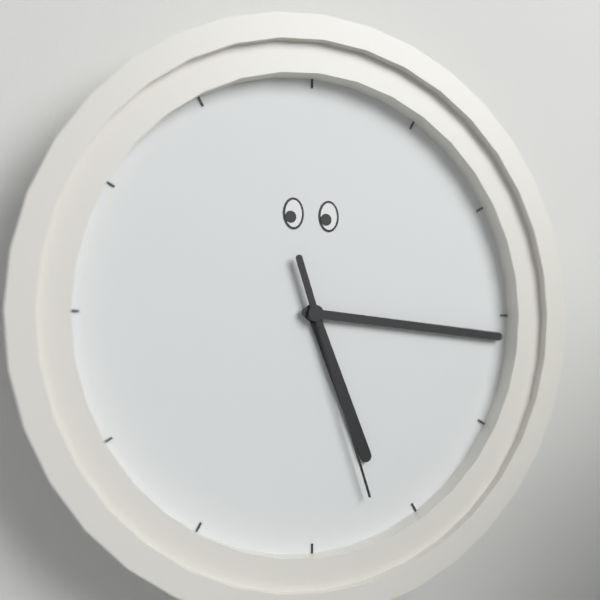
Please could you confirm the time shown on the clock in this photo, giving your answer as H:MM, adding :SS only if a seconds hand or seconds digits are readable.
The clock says 5:16:27
